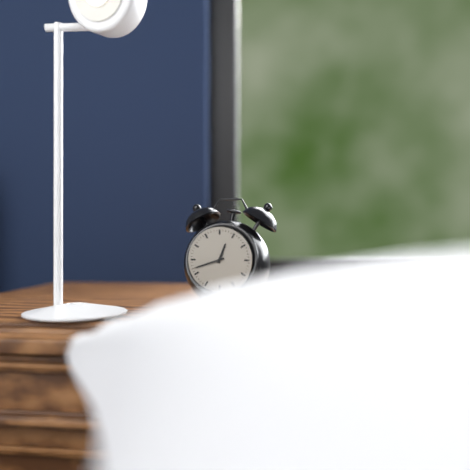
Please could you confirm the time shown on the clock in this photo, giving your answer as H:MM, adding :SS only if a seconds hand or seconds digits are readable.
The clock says 12:42
